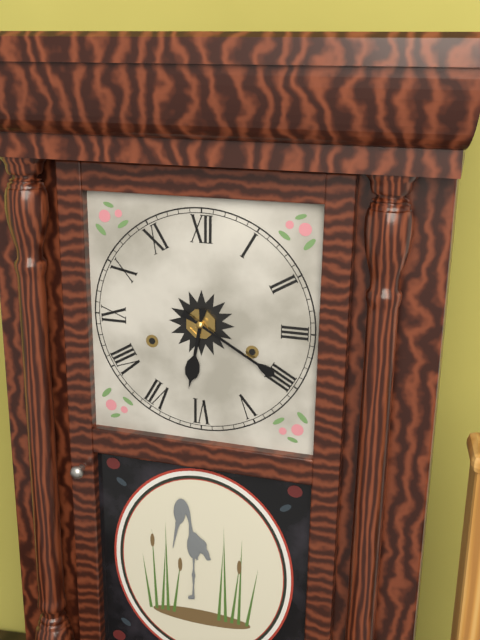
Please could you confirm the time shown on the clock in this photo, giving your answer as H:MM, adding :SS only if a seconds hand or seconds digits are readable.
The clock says 6:20
